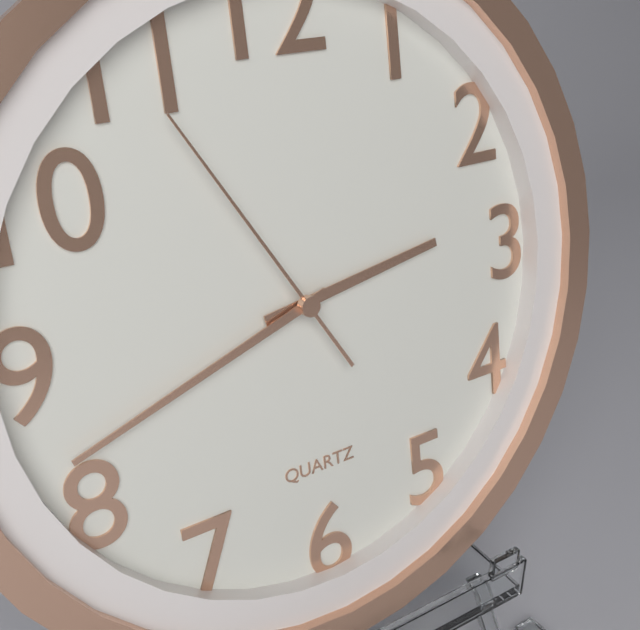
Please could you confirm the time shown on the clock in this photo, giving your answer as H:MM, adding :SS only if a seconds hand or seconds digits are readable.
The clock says 2:42:55
